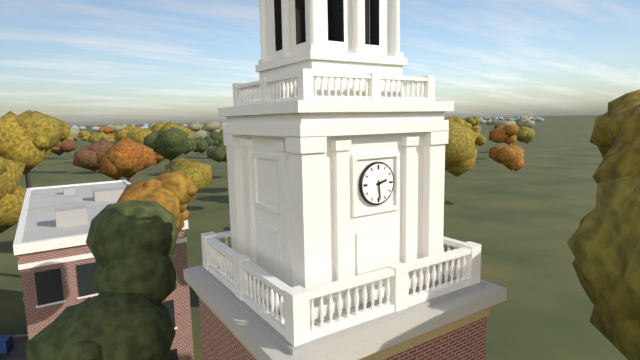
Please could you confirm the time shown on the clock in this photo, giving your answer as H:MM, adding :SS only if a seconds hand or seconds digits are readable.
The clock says 2:29
